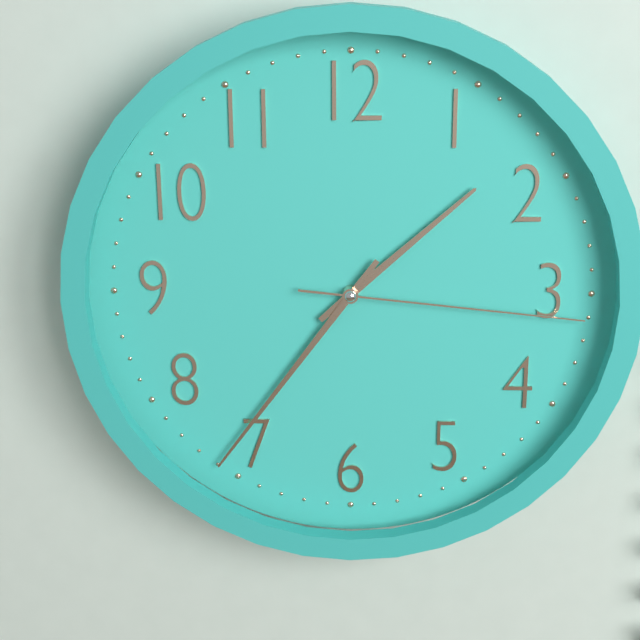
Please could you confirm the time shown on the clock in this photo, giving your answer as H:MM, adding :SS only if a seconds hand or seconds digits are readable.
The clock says 1:36:16
